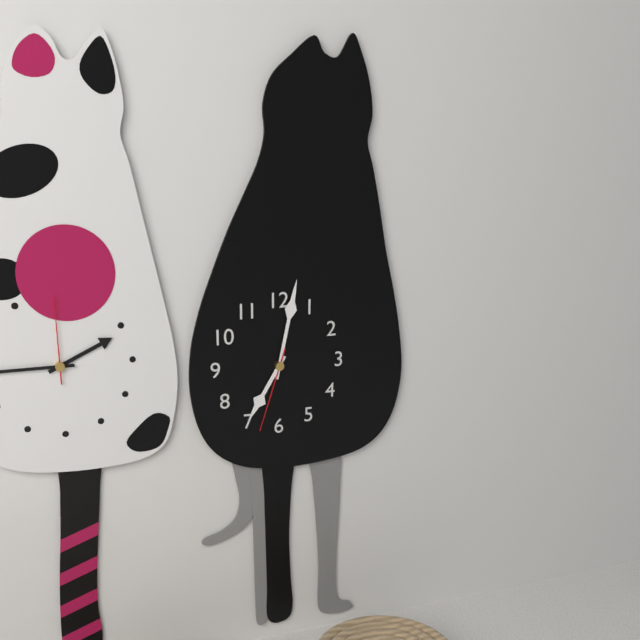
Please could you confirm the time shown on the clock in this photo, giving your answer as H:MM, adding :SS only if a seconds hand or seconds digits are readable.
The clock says 7:02:33
